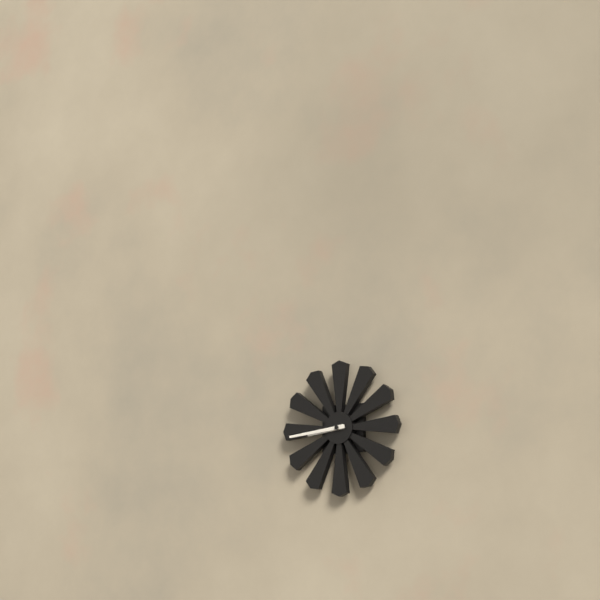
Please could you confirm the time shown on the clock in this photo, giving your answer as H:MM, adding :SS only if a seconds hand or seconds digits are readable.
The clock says 8:44
